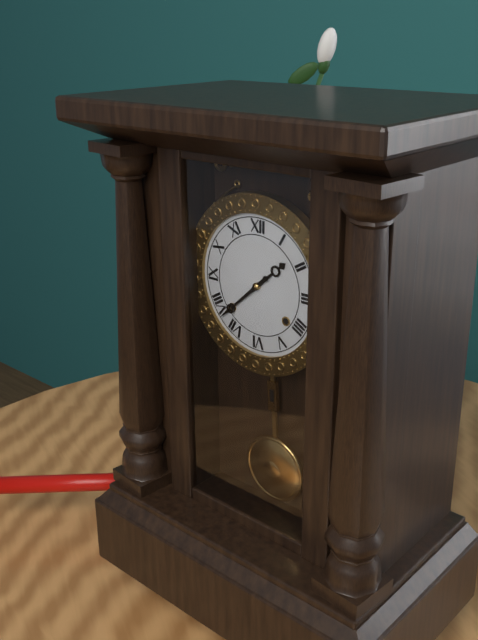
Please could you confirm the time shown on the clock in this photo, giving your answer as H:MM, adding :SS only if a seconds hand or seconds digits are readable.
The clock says 1:38
